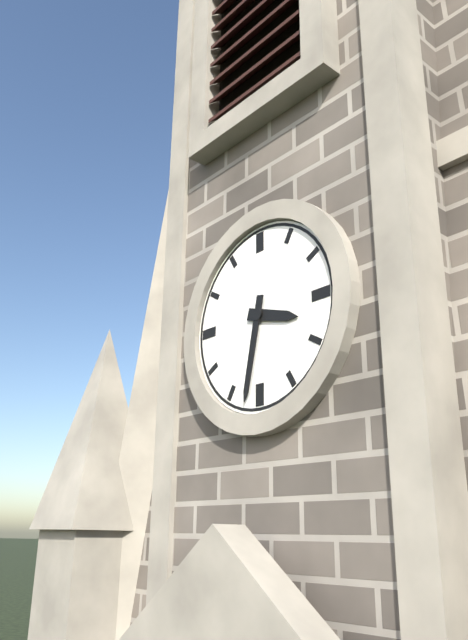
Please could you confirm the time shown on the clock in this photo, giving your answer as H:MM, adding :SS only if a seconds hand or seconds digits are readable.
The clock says 3:32
